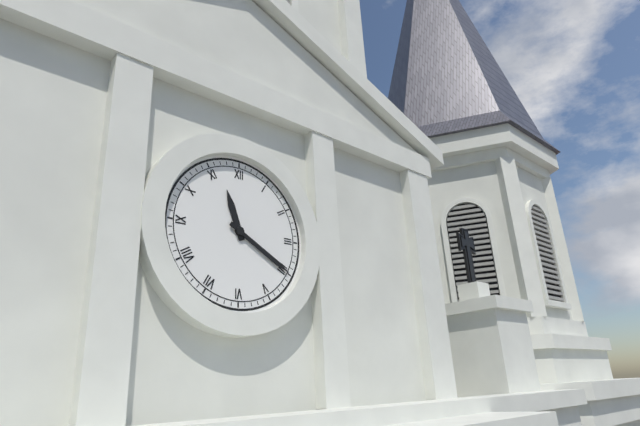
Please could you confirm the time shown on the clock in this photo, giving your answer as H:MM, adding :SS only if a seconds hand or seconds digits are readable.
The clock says 11:20
